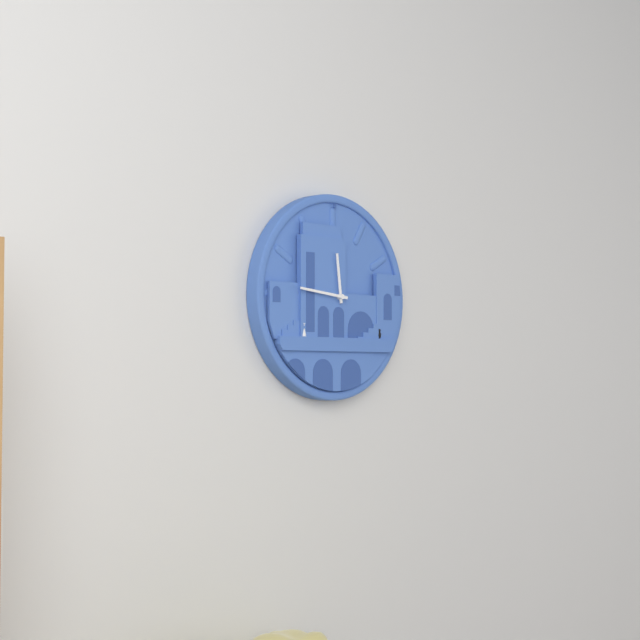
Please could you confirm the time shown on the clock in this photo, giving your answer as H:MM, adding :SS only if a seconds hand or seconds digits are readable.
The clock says 11:46
